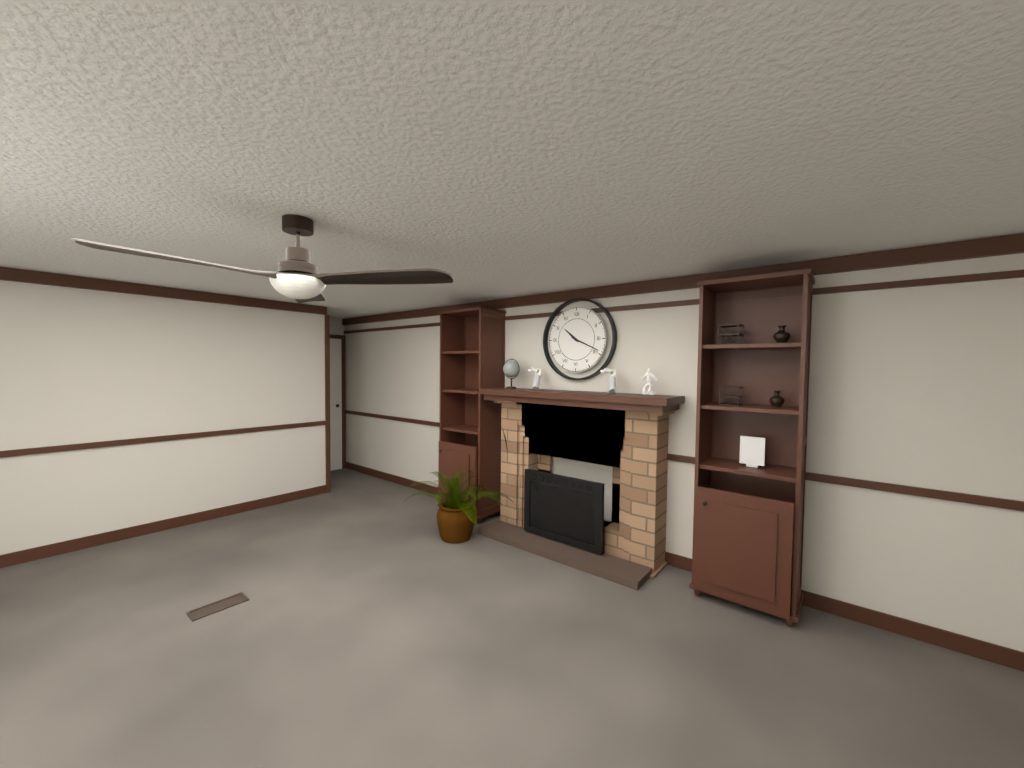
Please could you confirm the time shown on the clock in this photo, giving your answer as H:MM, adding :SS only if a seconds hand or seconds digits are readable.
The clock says 10:19
